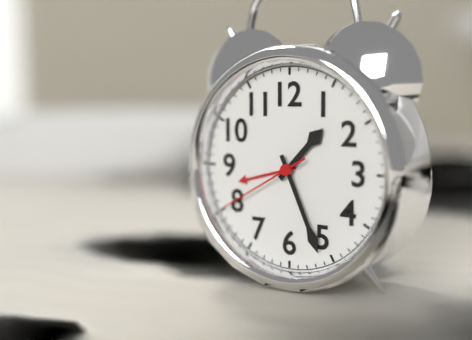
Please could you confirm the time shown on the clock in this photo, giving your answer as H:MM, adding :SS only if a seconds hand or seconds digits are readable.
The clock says 1:26:40
